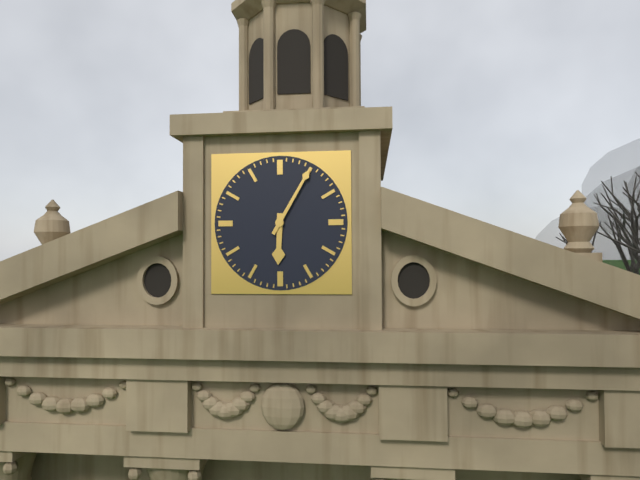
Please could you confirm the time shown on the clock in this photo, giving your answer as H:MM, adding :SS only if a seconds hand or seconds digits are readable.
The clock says 6:05
